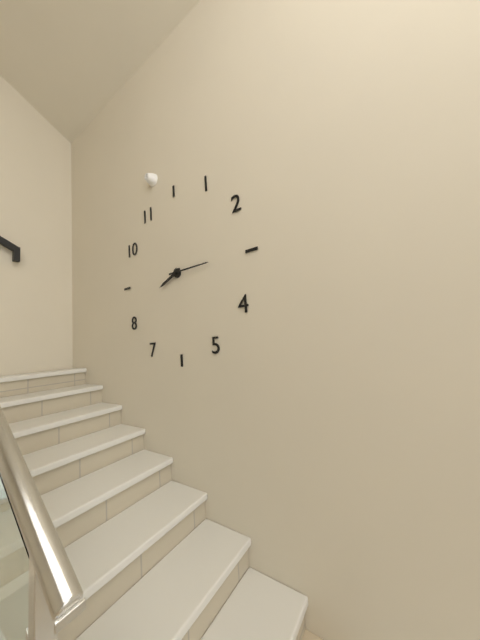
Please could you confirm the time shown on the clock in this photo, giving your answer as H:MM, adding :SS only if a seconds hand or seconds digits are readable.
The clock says 8:15
